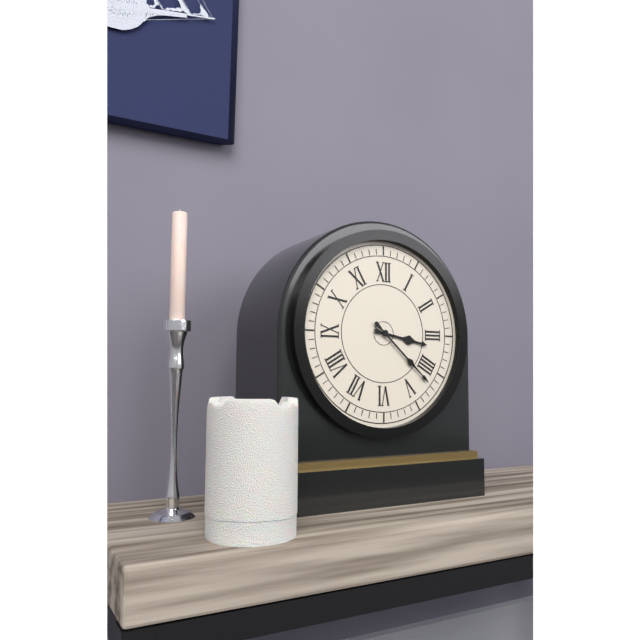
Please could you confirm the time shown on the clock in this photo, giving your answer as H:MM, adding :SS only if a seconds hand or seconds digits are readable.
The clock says 3:22
